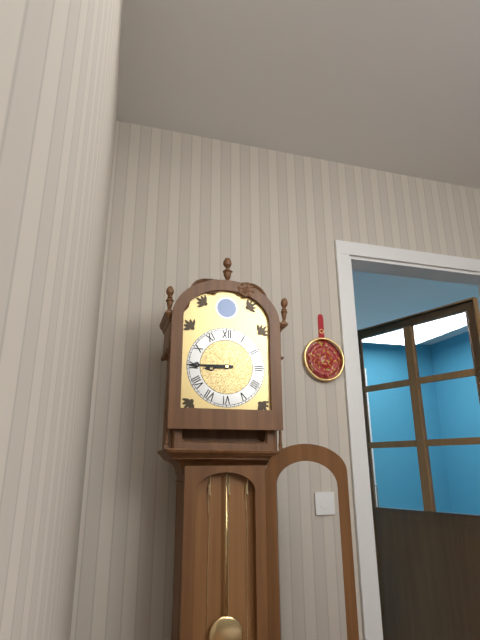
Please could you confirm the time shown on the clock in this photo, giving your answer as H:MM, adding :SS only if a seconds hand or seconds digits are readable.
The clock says 8:45
